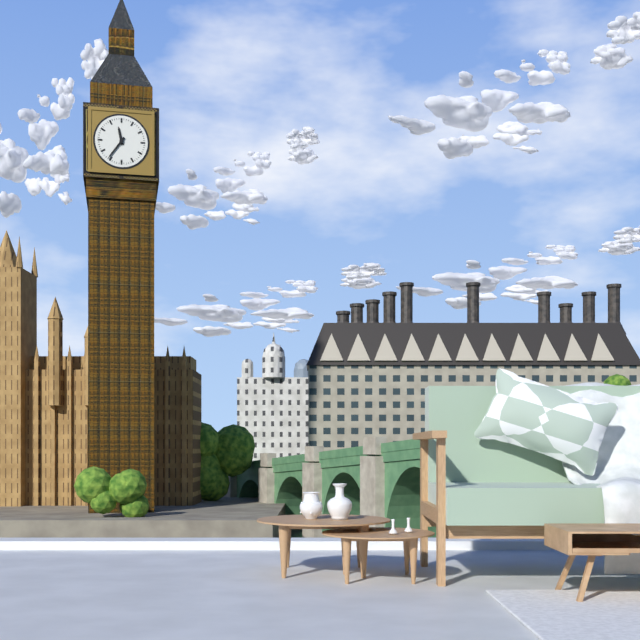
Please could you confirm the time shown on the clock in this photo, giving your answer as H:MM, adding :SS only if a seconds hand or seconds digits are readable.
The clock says 11:36
